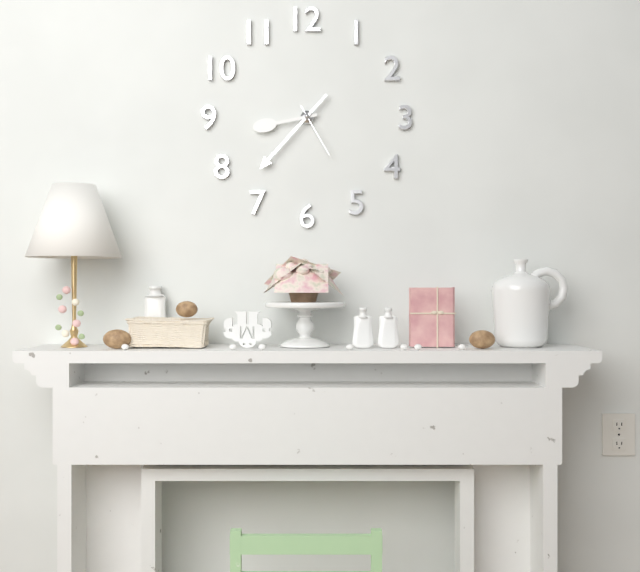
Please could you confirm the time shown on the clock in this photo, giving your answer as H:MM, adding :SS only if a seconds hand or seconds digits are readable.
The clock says 8:37:25
